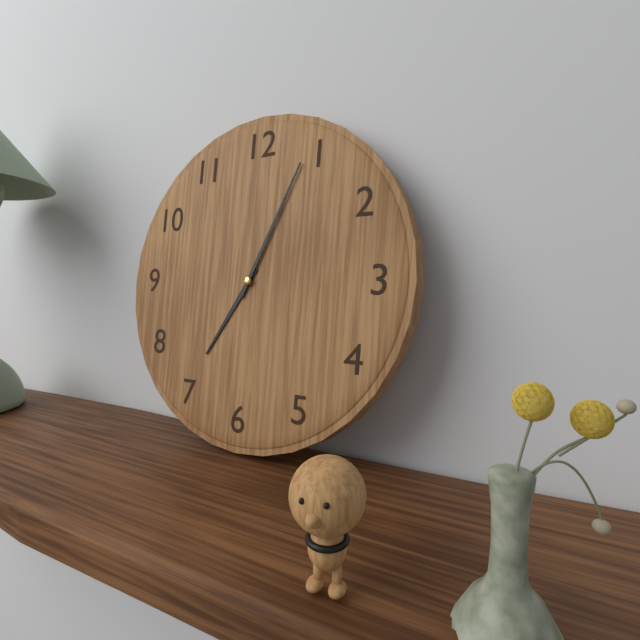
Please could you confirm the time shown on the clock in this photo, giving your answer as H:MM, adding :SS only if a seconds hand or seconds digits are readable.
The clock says 7:04
